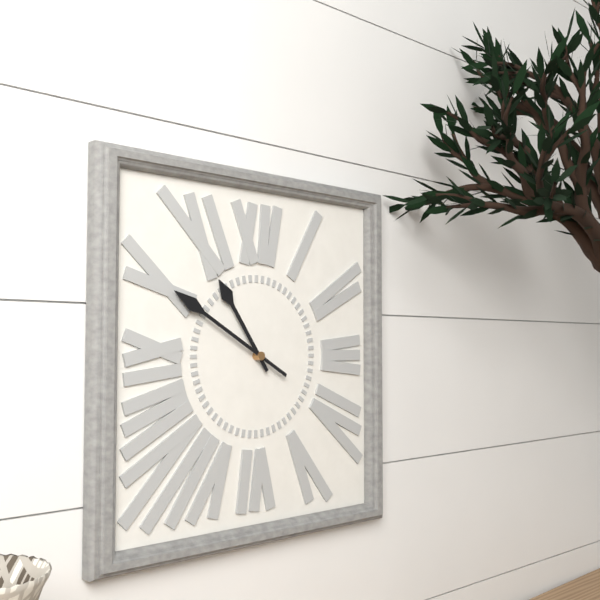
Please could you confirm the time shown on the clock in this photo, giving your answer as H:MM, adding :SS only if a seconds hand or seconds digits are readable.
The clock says 10:50
